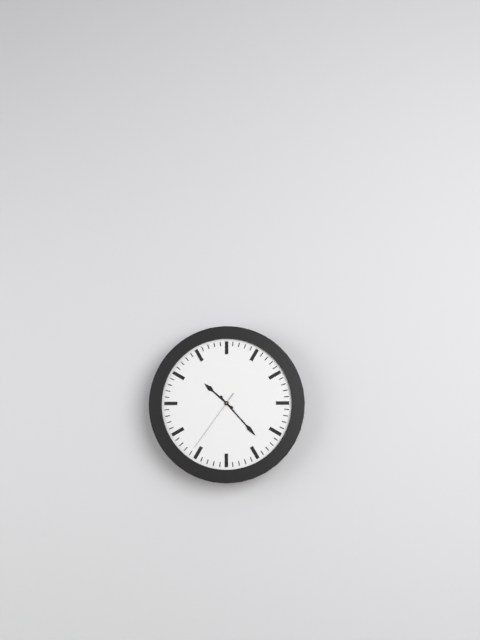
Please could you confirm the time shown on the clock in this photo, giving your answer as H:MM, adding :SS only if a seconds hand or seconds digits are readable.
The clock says 10:23:36
